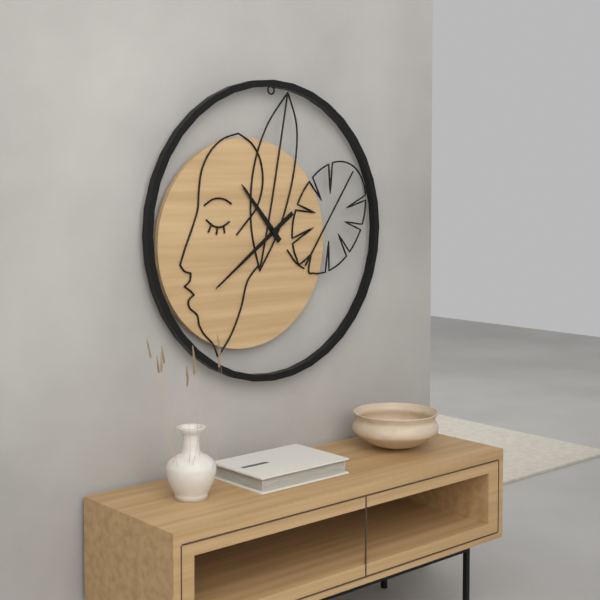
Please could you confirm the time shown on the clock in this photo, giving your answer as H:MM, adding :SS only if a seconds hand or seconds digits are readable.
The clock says 10:39
